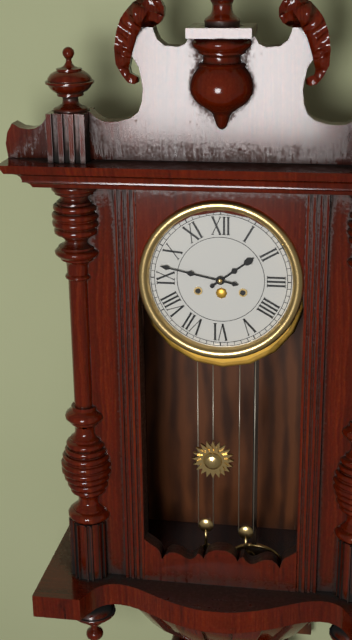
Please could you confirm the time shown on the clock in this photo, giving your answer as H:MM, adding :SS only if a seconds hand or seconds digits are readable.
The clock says 1:47
